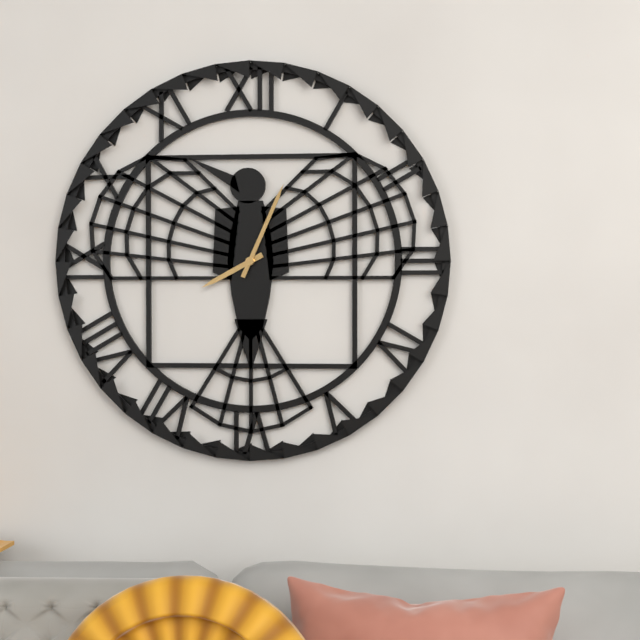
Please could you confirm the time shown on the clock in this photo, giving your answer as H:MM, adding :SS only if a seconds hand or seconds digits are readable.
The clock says 8:04
